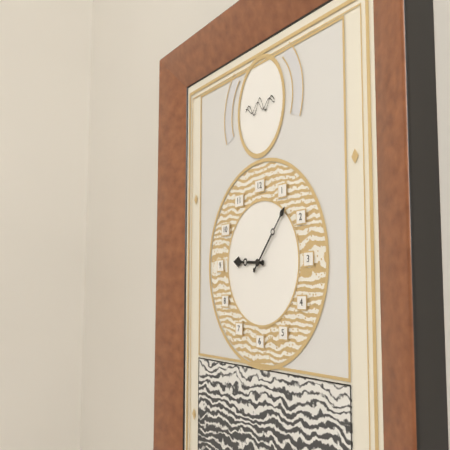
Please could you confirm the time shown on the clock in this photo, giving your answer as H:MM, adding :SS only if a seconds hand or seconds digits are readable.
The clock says 9:07
